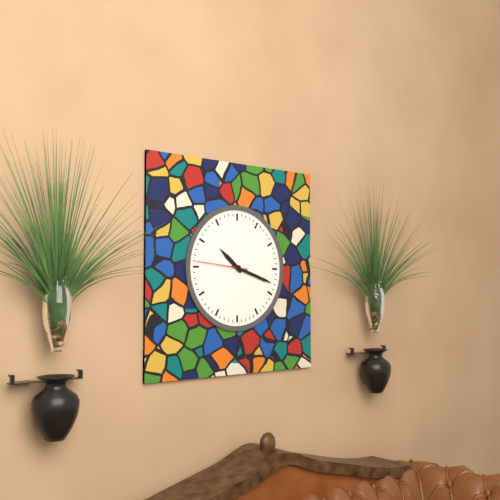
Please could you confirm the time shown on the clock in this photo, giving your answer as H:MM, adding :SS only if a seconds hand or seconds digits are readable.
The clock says 10:18:46
